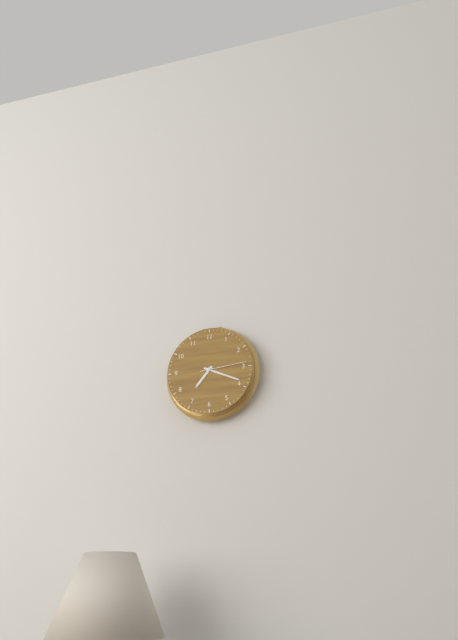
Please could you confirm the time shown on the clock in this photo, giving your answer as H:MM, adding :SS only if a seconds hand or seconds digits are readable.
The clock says 7:19
